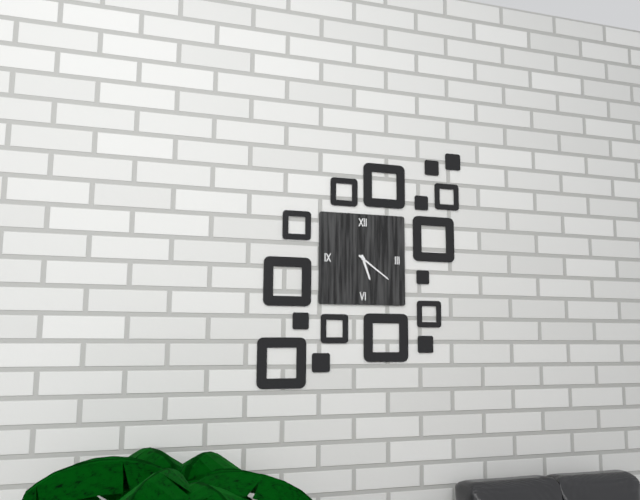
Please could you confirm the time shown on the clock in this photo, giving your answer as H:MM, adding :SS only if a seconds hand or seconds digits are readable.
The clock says 5:21
